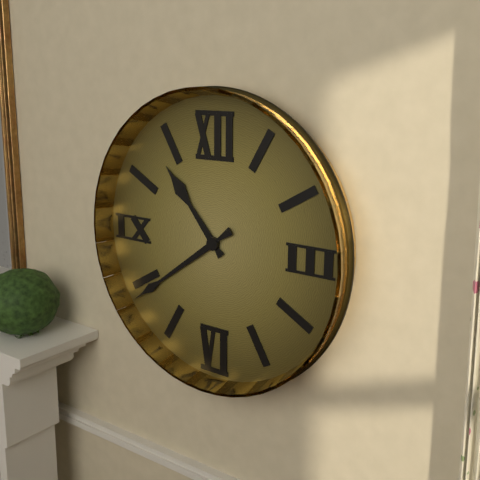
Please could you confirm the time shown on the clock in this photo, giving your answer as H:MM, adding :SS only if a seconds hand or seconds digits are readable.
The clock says 10:39
